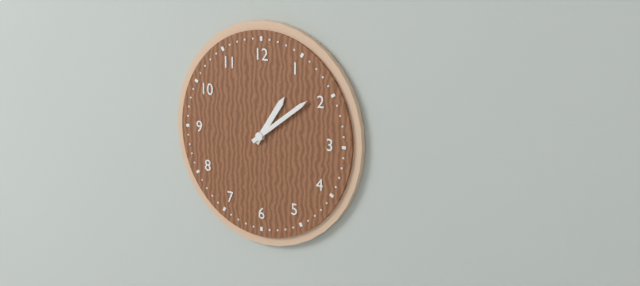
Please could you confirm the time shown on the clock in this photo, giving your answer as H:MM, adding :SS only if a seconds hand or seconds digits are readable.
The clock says 1:09
